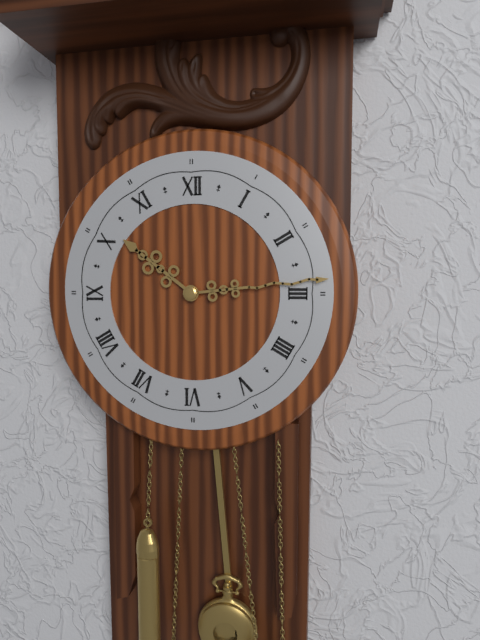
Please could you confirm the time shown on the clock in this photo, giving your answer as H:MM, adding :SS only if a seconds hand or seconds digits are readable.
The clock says 10:14
